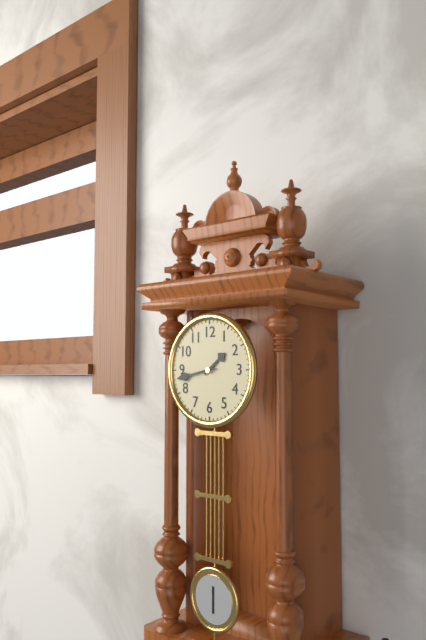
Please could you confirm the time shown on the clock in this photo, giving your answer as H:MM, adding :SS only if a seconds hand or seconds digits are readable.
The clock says 1:43
